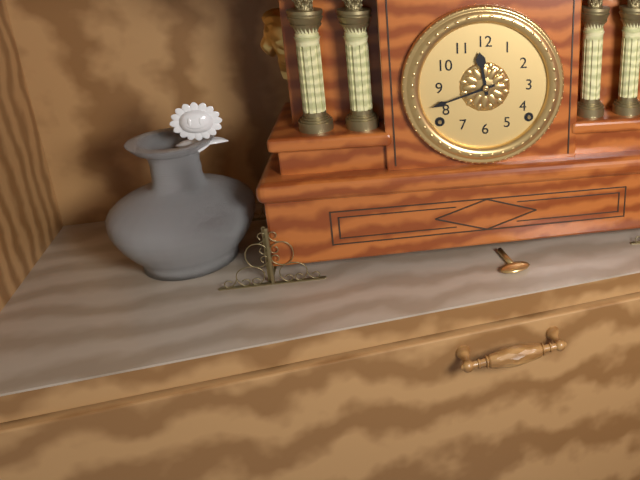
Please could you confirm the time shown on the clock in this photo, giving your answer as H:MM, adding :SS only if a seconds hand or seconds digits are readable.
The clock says 11:42
